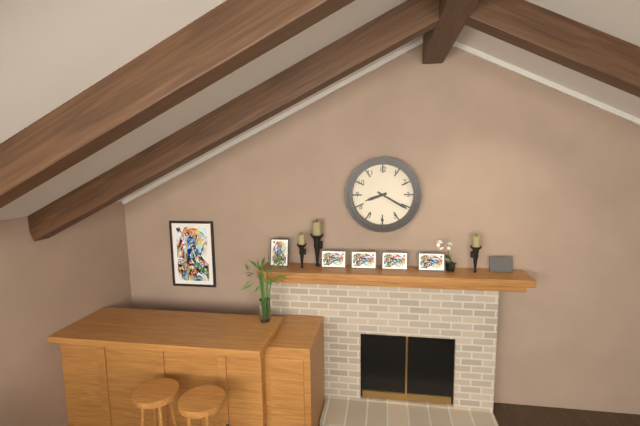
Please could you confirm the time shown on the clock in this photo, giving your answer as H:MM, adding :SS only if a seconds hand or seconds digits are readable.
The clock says 8:20
